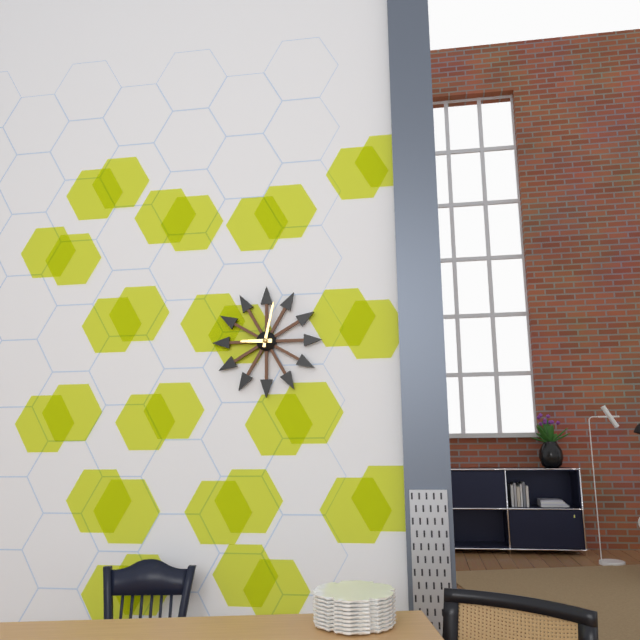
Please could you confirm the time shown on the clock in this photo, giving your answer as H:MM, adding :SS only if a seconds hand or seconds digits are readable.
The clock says 9:02
